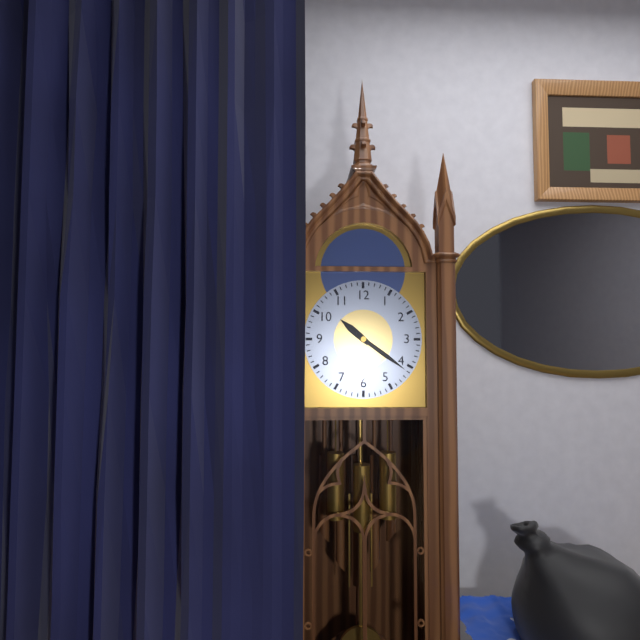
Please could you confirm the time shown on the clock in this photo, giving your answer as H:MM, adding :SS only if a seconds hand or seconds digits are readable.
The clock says 10:21
